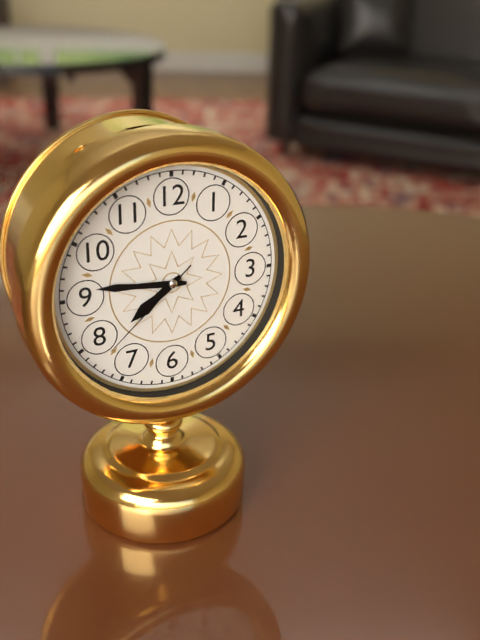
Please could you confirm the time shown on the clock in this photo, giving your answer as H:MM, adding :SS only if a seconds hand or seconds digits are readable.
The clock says 7:46:38
